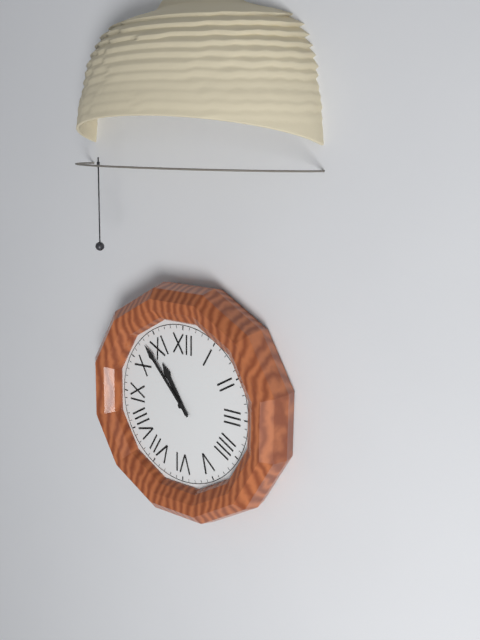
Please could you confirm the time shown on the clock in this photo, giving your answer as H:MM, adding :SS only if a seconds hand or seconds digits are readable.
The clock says 10:53
